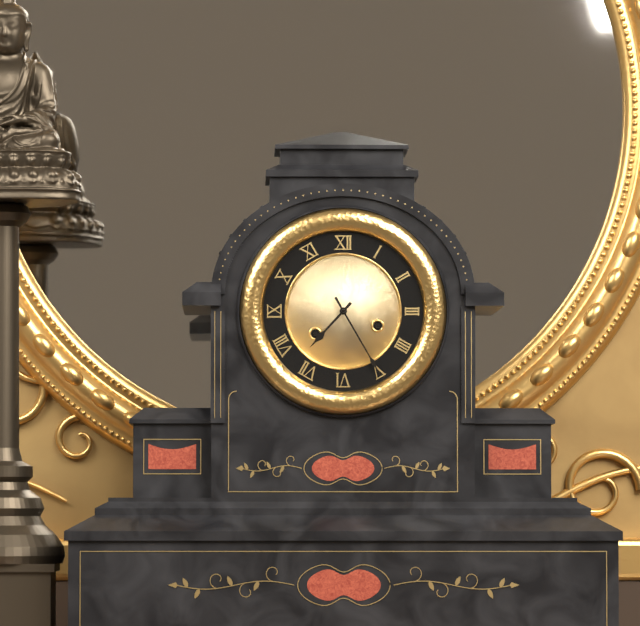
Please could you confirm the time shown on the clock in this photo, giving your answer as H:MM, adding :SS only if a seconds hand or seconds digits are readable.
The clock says 7:25
